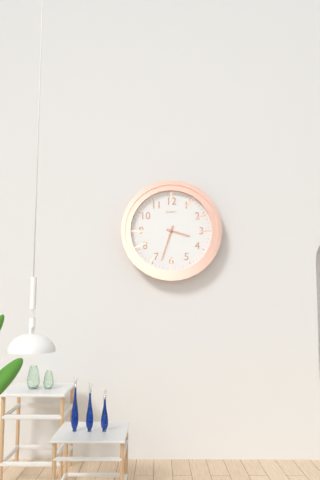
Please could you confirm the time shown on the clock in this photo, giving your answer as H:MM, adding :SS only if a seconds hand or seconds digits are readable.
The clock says 3:33
